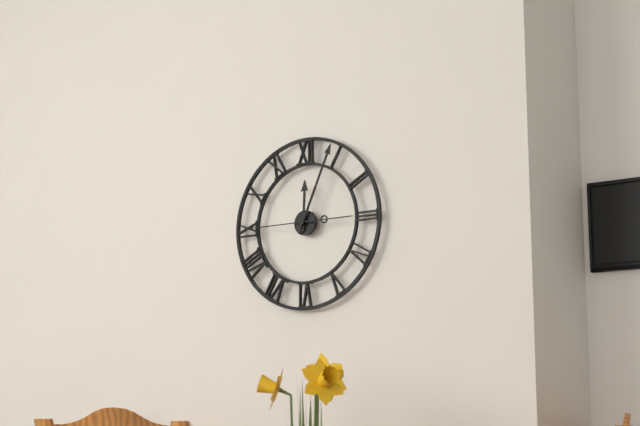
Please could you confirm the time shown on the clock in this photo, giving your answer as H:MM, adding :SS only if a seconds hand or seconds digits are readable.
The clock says 12:04:45
